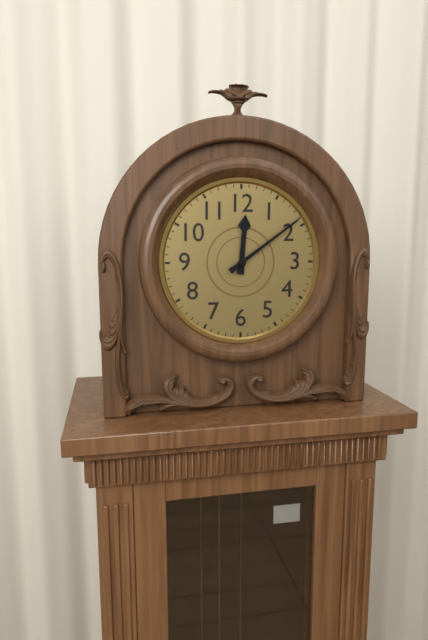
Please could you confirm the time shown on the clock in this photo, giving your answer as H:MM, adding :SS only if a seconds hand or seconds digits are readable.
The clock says 12:09
